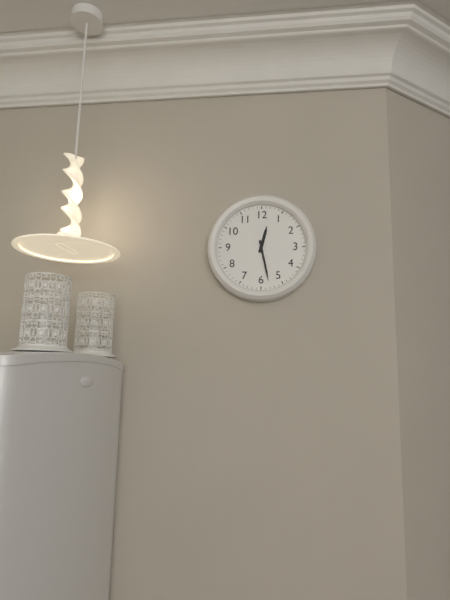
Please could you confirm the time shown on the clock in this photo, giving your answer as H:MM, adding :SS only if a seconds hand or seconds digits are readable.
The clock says 12:28
